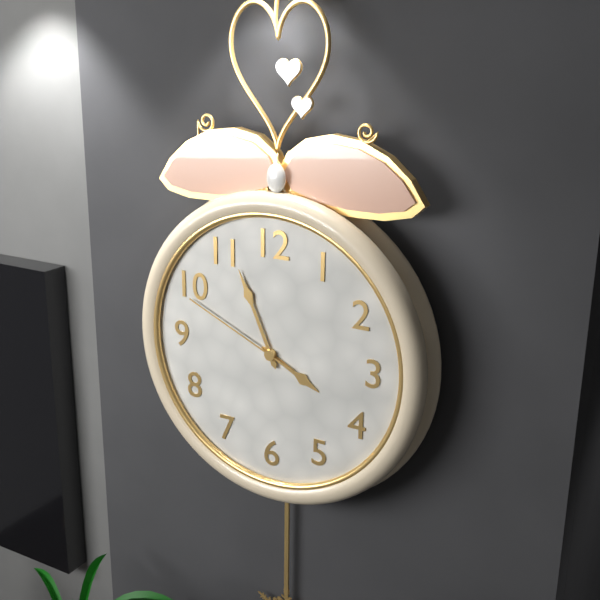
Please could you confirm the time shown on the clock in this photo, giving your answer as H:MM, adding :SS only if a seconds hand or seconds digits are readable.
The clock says 3:56:49
